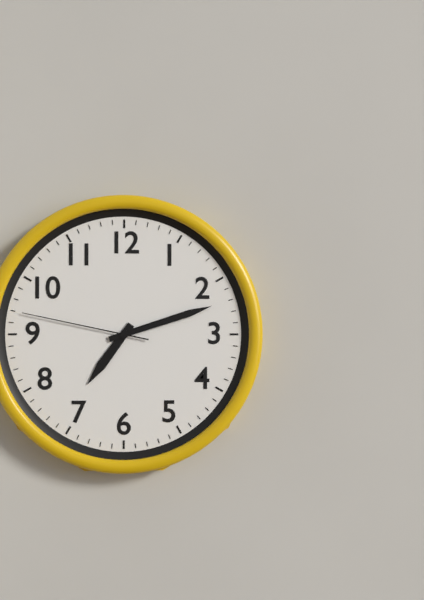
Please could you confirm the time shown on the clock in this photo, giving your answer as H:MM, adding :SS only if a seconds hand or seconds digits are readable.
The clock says 7:12:47
